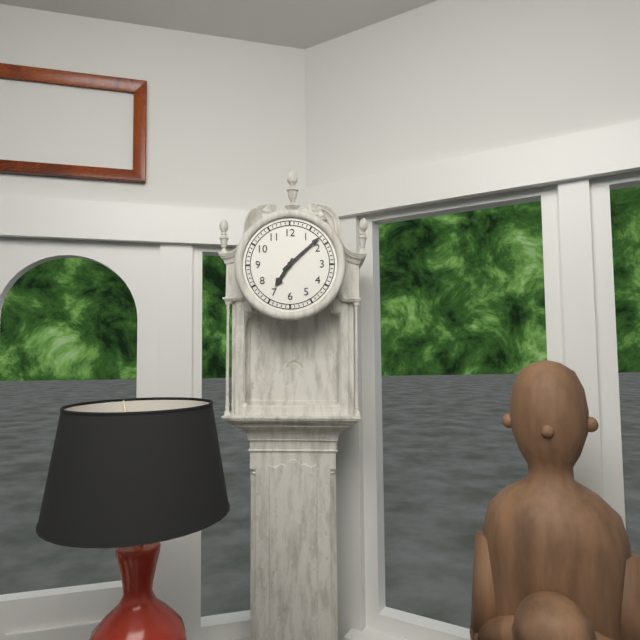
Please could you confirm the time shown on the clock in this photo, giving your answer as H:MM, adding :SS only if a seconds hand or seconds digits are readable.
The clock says 7:08
